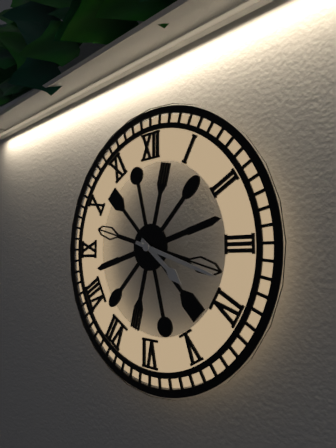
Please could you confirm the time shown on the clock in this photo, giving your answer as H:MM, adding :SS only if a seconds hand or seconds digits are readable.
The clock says 4:18
